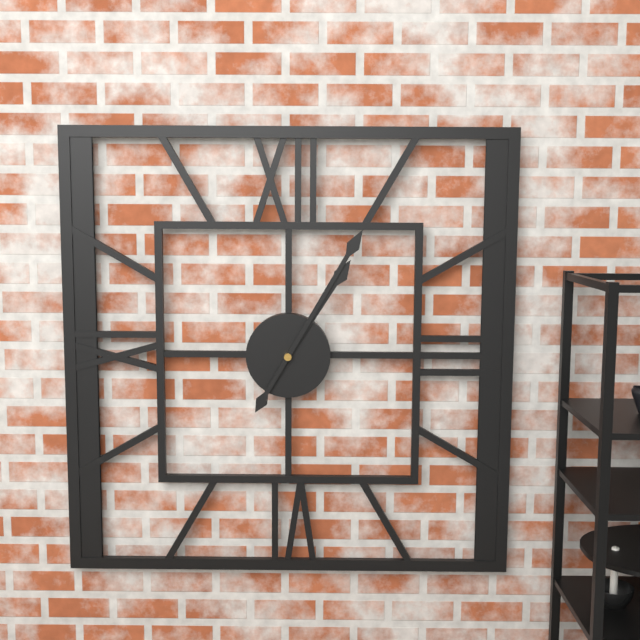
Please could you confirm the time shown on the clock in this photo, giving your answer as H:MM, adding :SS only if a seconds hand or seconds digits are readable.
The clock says 1:05
